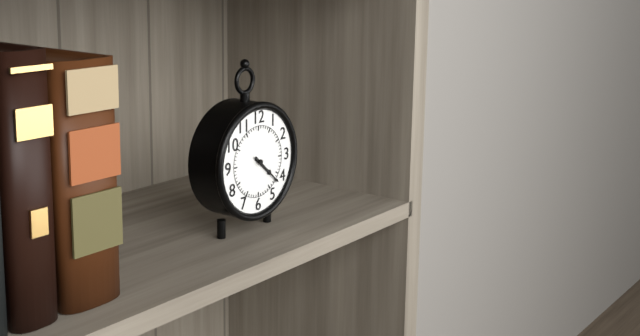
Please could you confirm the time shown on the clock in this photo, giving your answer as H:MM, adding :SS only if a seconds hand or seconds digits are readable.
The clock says 4:22
